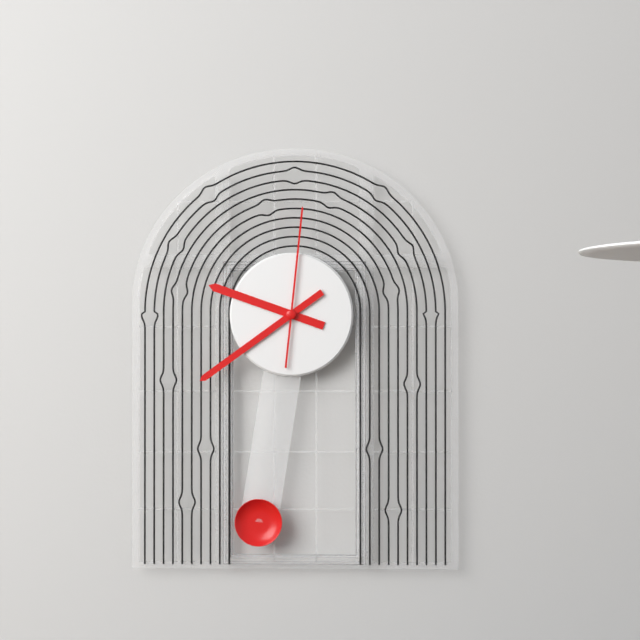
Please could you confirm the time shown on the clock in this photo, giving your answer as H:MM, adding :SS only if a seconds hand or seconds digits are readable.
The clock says 9:39:01
